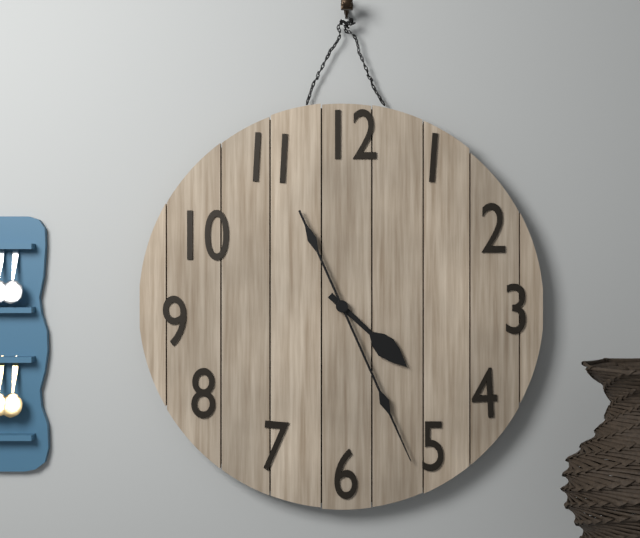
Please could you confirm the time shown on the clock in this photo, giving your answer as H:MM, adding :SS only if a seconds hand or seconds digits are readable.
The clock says 4:26
